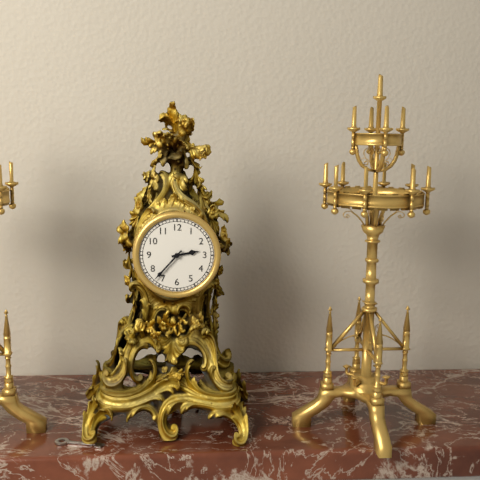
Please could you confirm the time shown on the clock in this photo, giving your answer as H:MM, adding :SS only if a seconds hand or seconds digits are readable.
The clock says 2:37
